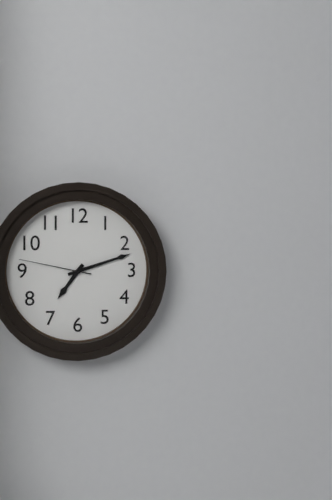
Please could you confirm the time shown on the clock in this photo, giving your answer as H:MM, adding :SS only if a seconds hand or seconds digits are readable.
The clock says 7:12:47
